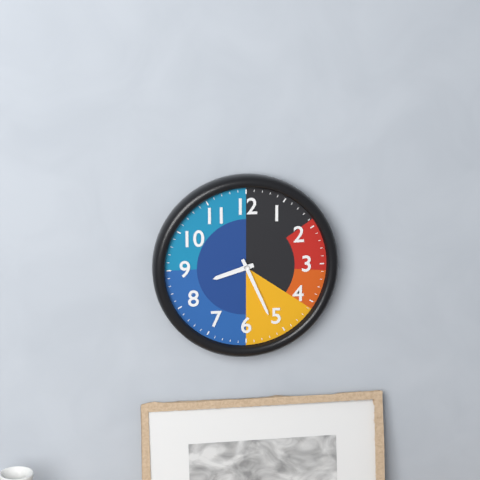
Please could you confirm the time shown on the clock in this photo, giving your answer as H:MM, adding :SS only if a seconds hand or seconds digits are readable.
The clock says 8:26
